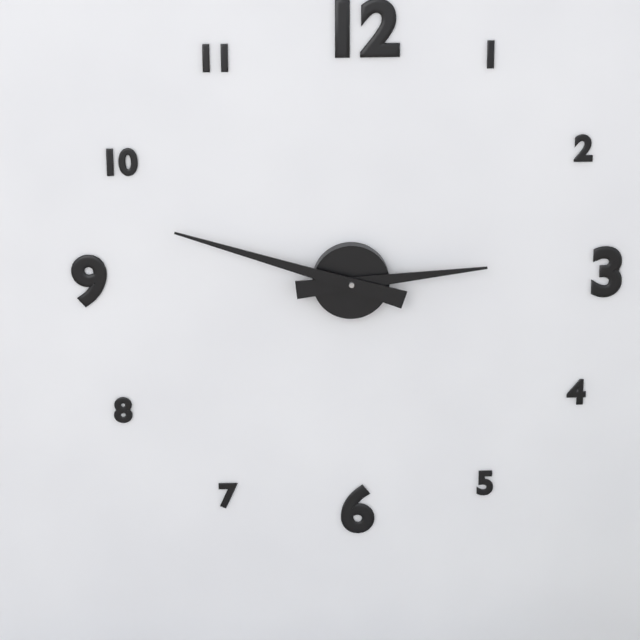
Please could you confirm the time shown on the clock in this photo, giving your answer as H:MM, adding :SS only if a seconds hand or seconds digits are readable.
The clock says 2:48
